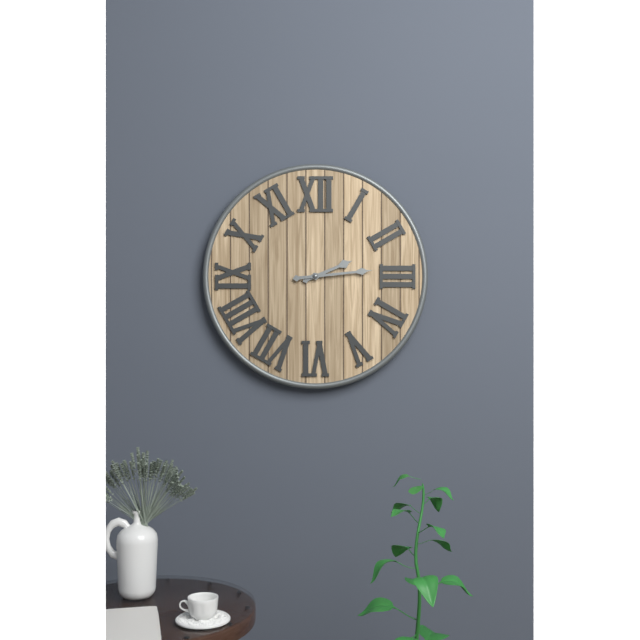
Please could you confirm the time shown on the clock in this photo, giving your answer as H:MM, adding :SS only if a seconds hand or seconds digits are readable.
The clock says 2:14
